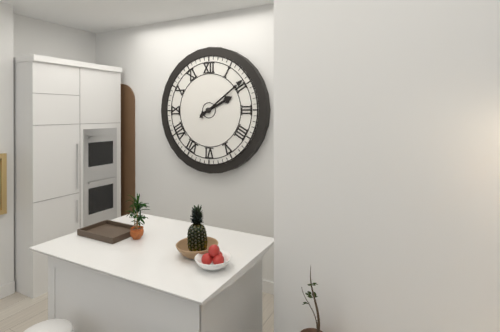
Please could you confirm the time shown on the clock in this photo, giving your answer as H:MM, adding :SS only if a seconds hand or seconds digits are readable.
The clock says 2:09
